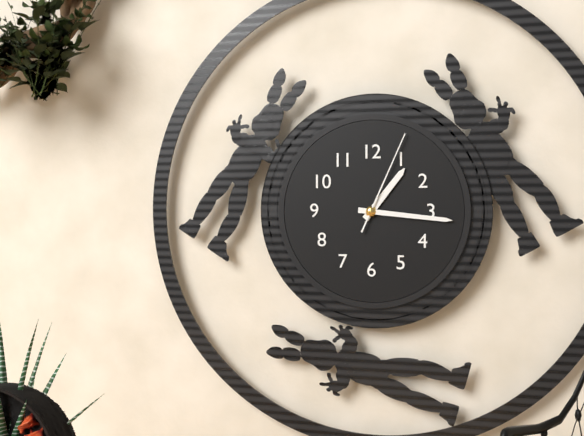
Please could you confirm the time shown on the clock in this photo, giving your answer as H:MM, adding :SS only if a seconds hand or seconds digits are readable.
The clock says 1:16:04
